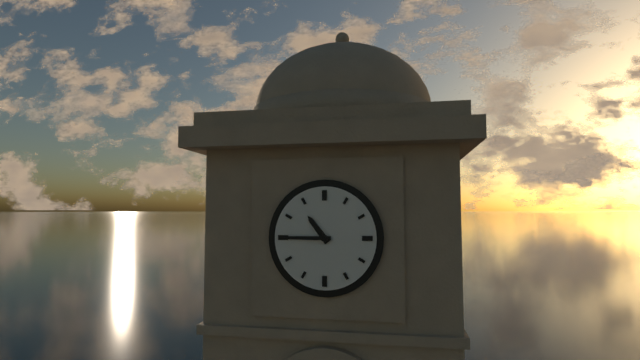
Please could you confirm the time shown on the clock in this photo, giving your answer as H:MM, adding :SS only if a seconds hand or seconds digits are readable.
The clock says 10:45
